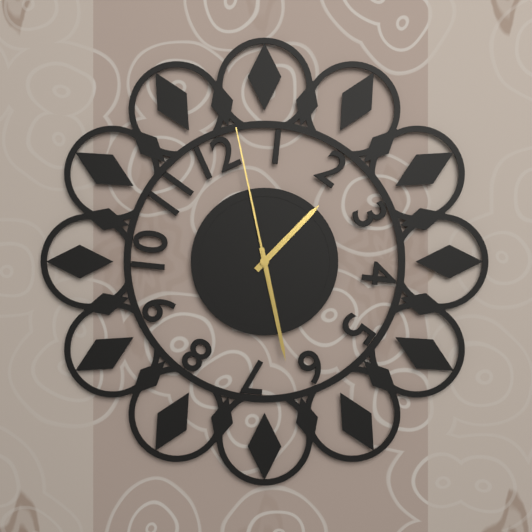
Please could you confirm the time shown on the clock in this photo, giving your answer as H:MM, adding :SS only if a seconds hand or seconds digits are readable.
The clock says 1:28:58
